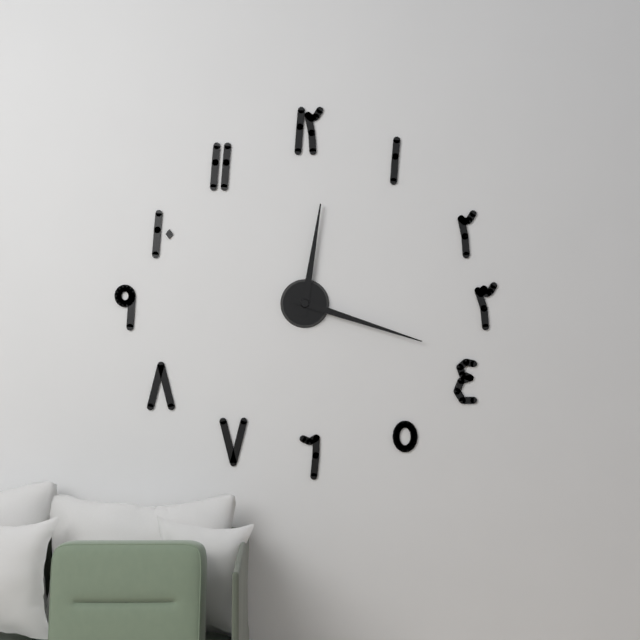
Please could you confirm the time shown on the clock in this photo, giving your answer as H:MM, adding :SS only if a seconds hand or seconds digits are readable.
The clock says 12:18
